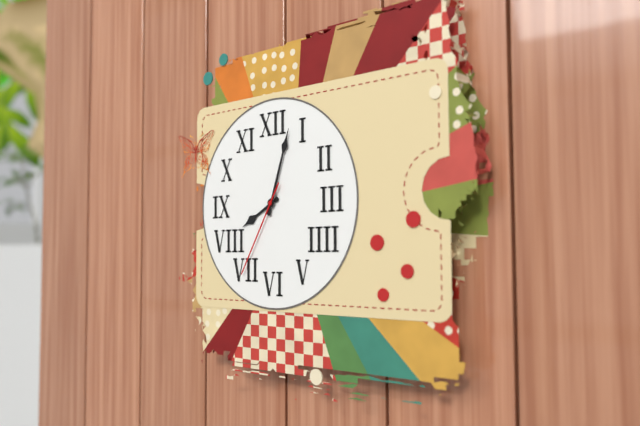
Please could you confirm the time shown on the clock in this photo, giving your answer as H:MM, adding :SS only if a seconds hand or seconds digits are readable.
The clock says 8:03:35
